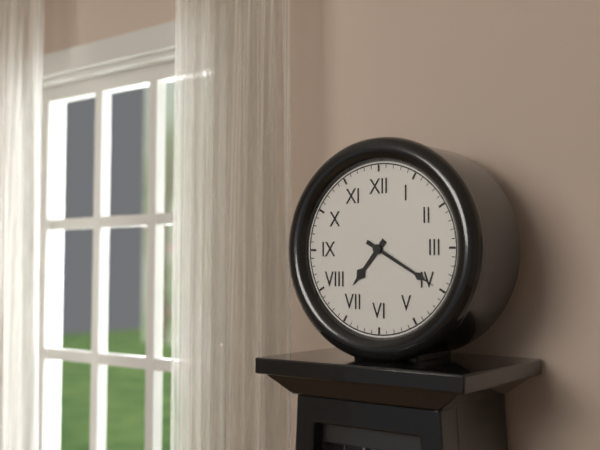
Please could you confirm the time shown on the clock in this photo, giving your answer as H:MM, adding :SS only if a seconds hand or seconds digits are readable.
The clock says 7:20
